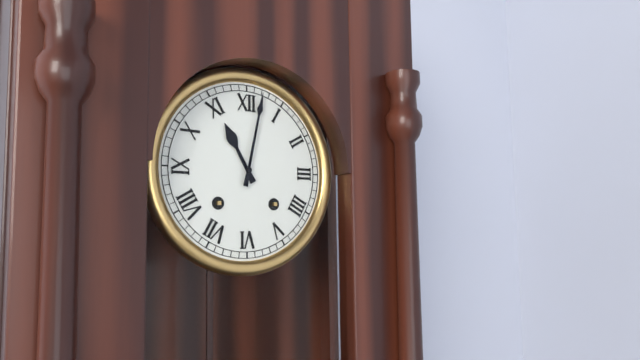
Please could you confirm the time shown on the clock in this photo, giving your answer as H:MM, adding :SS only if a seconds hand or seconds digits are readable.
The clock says 11:02
